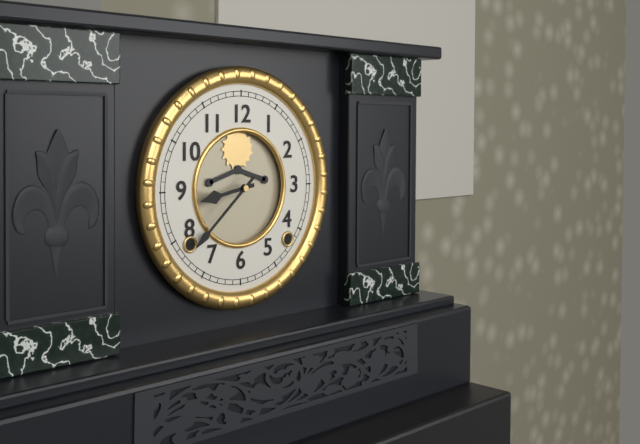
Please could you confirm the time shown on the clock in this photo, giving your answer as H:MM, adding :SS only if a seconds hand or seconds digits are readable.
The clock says 8:38
